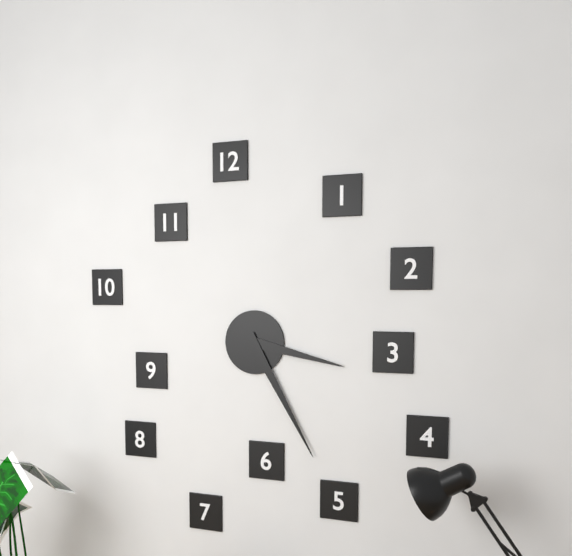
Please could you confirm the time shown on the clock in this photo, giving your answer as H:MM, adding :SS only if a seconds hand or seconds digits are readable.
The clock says 3:25
